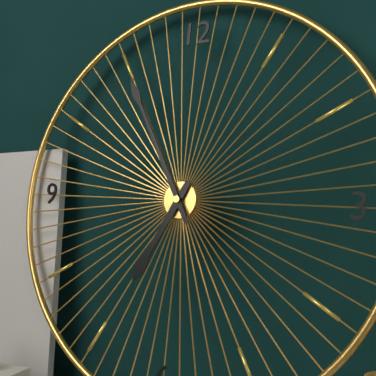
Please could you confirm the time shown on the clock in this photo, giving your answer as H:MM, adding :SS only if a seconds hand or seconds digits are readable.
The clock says 6:55
